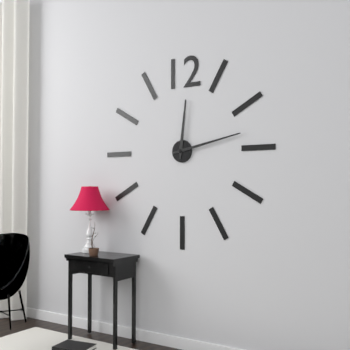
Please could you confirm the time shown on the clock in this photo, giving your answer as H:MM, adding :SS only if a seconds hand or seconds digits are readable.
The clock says 12:13
